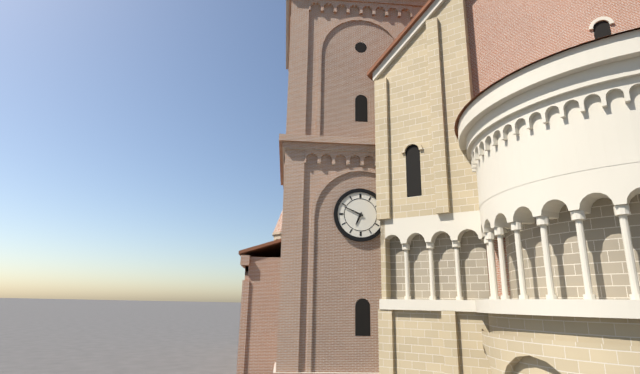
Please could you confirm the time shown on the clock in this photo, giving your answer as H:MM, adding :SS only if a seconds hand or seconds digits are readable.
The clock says 6:49
